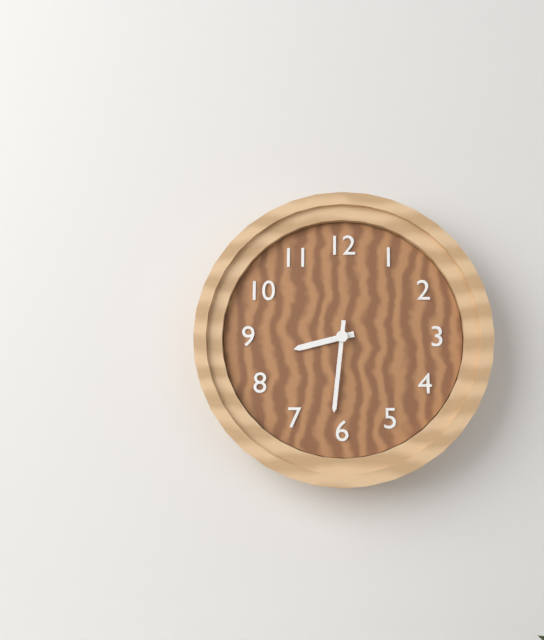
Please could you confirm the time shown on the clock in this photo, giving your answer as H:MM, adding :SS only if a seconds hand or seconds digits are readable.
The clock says 8:31
